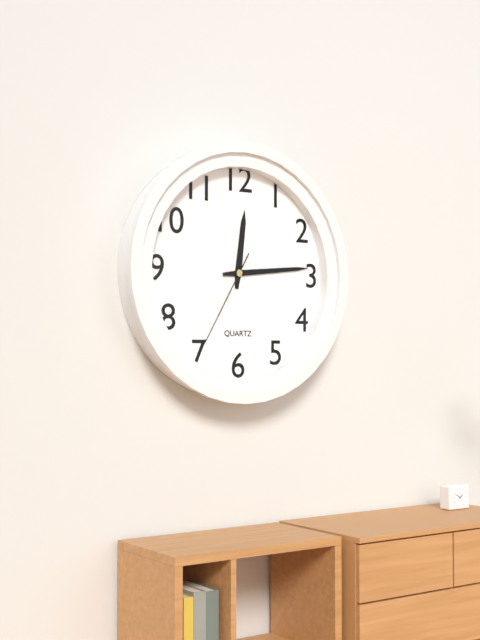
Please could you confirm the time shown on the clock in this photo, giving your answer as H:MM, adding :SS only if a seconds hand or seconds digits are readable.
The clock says 12:14:35
